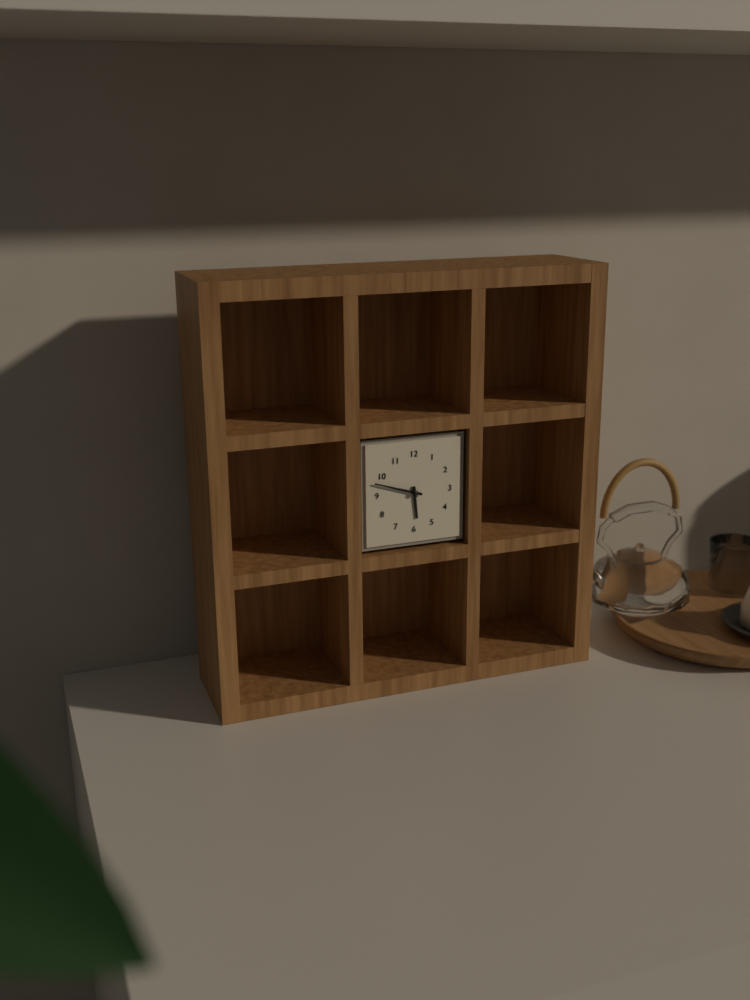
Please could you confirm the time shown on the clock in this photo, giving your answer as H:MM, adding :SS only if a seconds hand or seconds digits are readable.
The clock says 5:48
